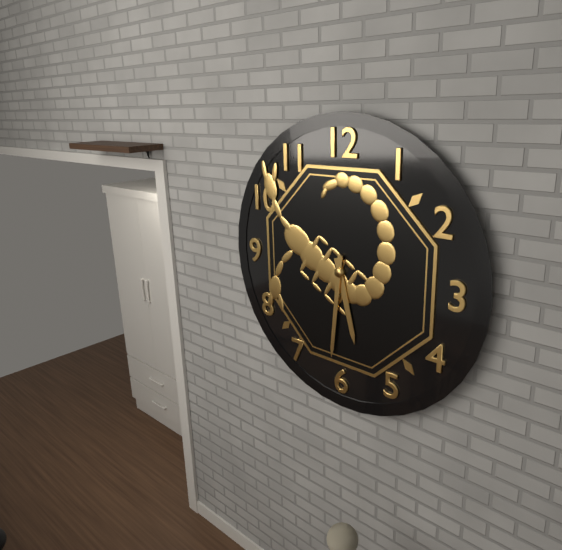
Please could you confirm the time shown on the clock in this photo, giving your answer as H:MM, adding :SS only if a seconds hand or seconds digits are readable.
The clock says 5:31
